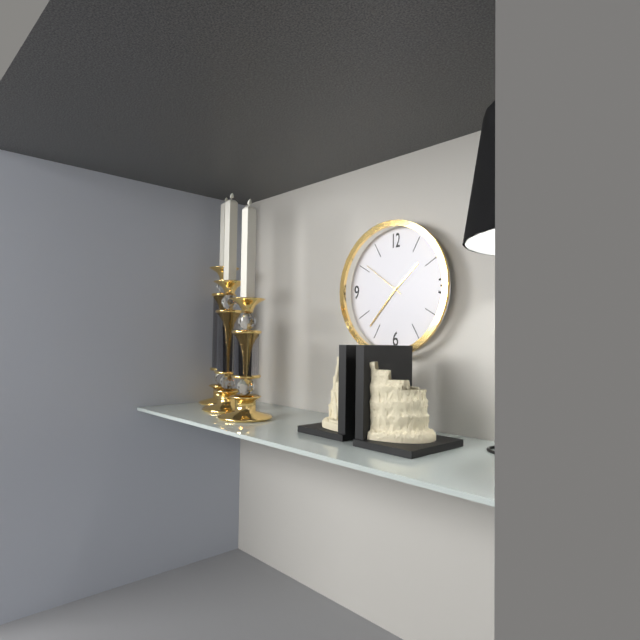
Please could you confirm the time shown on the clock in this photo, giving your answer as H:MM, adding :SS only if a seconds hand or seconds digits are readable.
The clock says 1:37
